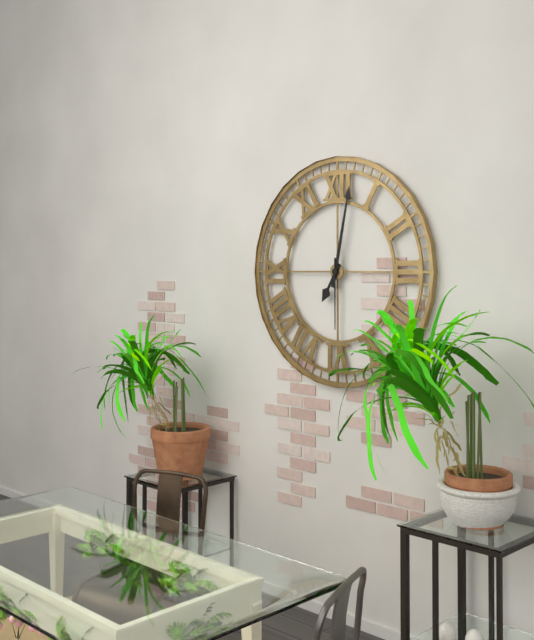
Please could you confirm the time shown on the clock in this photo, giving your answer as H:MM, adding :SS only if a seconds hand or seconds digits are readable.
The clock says 7:02:30
